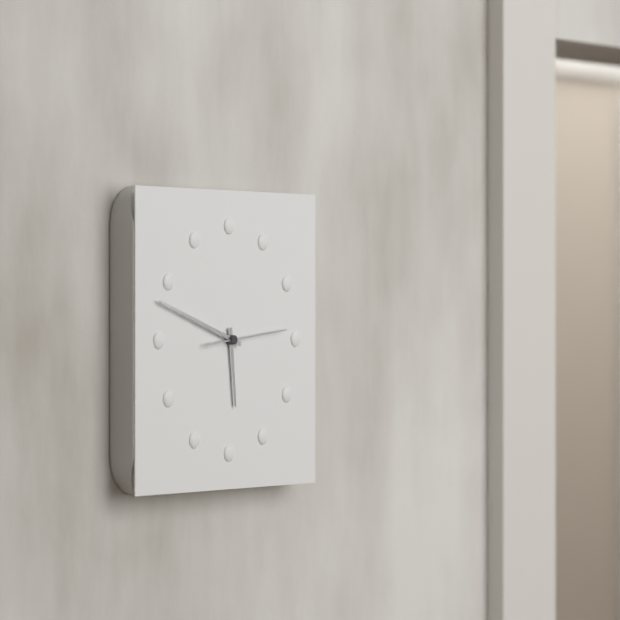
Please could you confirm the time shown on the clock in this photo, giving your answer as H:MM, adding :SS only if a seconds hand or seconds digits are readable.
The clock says 5:48:14
